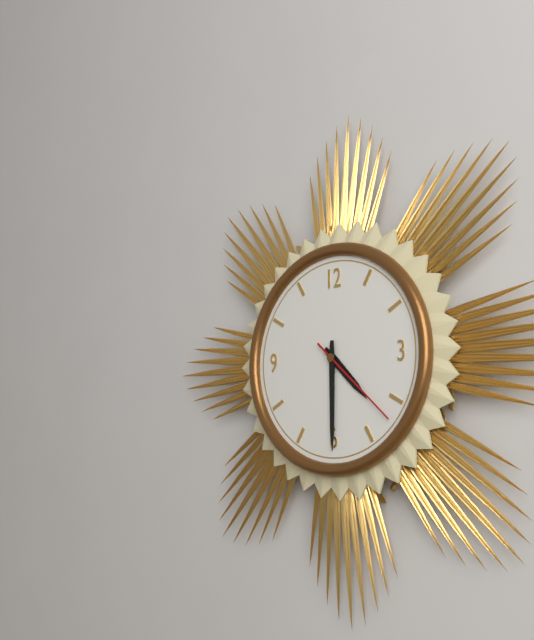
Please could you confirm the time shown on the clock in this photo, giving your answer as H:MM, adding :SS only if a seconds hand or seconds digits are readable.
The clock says 4:30:22
